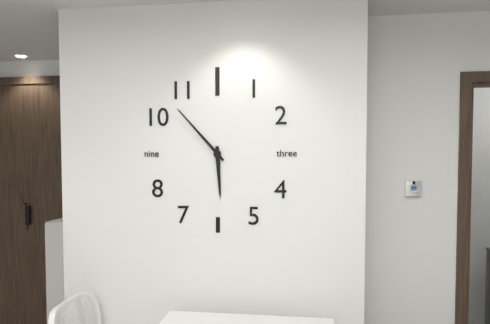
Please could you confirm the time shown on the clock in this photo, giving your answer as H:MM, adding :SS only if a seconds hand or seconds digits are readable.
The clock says 5:53
